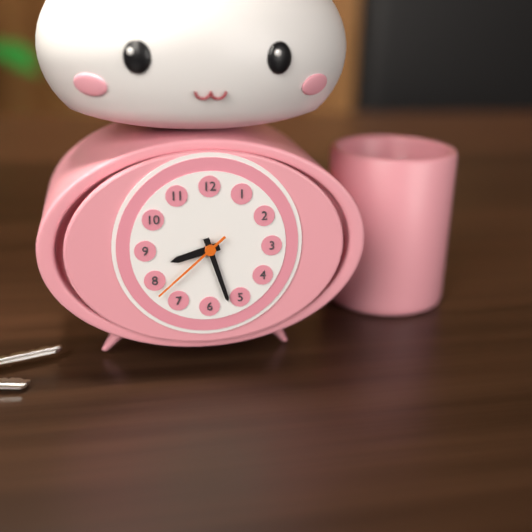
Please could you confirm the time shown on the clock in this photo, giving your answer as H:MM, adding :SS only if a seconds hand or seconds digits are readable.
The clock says 8:27:38
